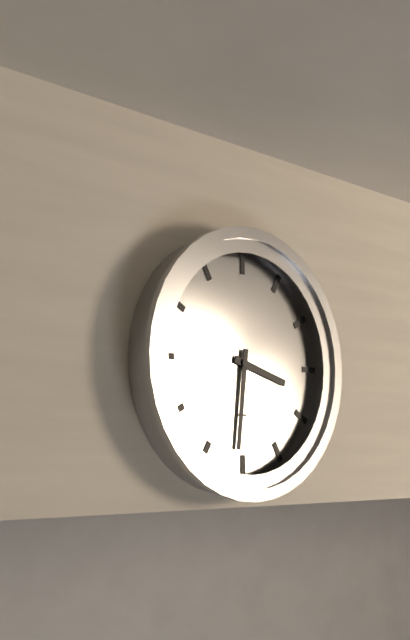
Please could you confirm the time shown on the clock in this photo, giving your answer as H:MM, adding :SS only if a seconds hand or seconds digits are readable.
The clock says 3:31
